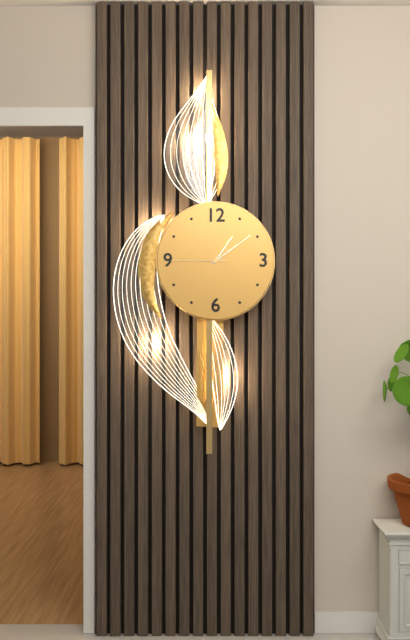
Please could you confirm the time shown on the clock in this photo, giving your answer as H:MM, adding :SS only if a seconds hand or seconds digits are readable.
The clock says 1:09:45
